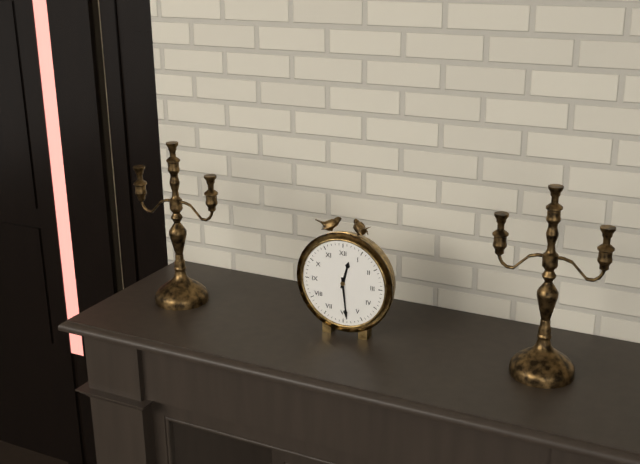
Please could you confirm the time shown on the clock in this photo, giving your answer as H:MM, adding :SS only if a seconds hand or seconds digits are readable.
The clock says 12:29
